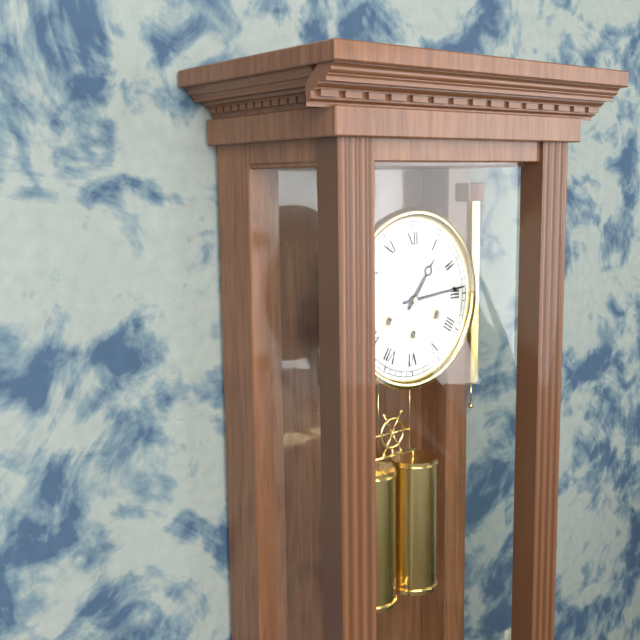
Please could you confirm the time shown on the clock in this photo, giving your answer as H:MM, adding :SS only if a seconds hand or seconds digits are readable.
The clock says 1:14
